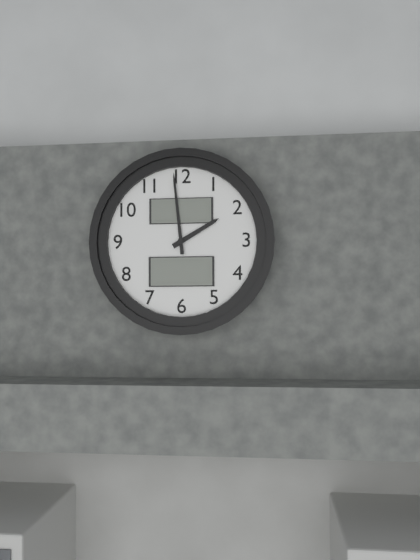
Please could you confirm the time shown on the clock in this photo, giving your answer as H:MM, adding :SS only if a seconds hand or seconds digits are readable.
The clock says 1:59
